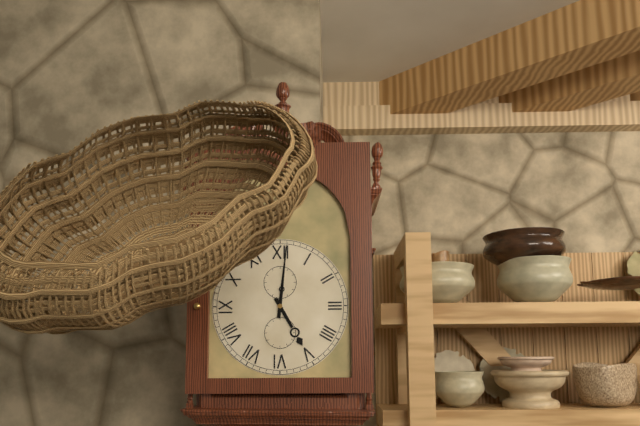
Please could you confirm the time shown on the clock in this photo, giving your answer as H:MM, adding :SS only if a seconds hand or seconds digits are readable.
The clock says 5:01
